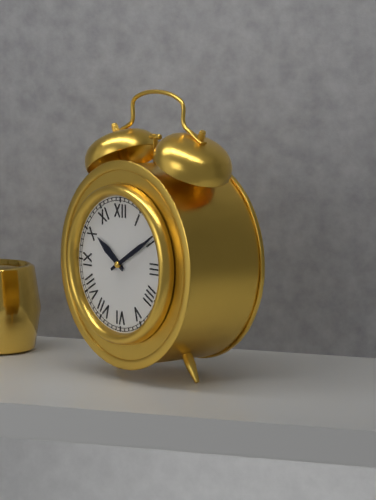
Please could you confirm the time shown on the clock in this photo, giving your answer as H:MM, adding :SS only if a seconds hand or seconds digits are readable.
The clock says 10:10
